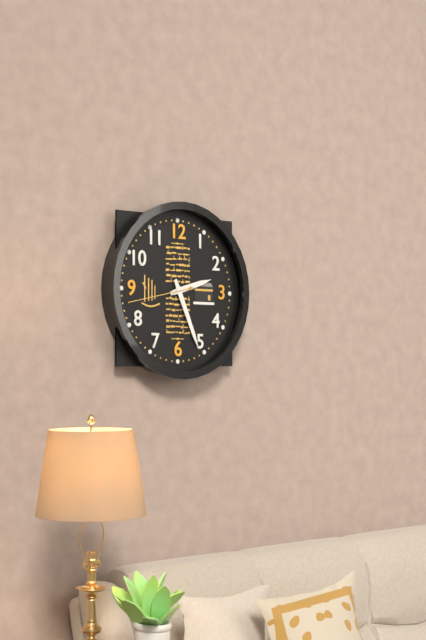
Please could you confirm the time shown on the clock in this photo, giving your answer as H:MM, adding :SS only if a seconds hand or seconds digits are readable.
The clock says 2:26:43
